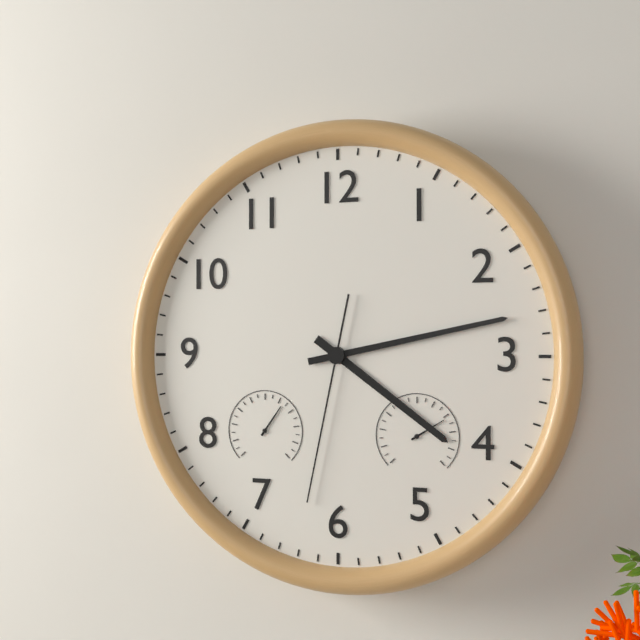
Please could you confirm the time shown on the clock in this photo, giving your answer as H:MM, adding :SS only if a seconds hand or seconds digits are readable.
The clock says 4:13:32
